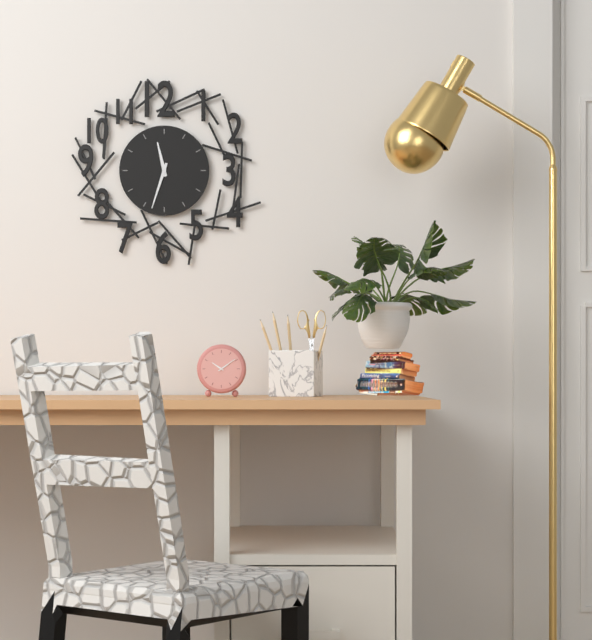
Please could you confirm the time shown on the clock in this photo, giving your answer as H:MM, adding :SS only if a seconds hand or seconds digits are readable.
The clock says 11:33
